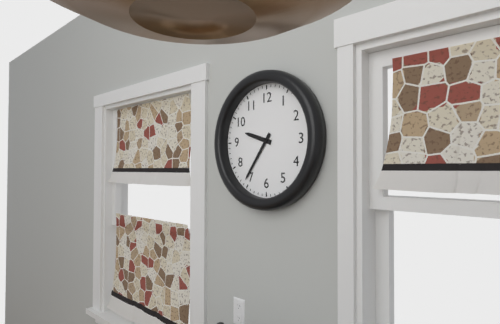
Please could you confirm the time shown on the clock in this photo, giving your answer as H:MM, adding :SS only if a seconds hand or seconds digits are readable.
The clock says 9:36
